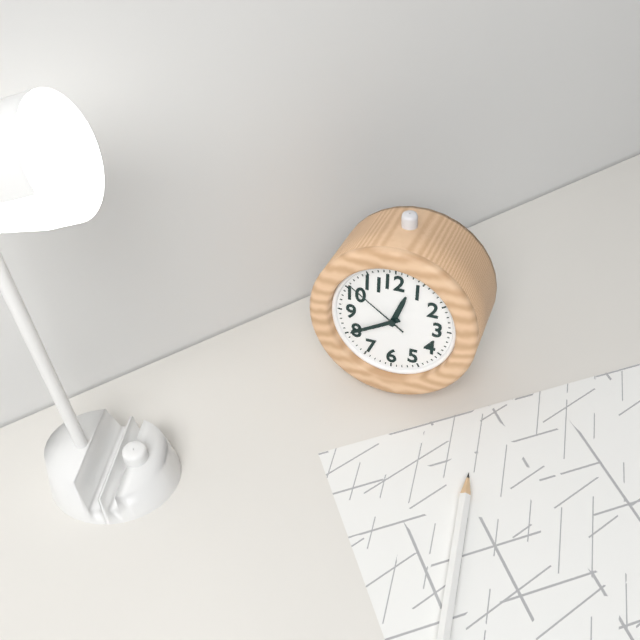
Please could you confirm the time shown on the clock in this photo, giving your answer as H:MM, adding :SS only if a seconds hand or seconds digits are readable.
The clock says 12:40:51
